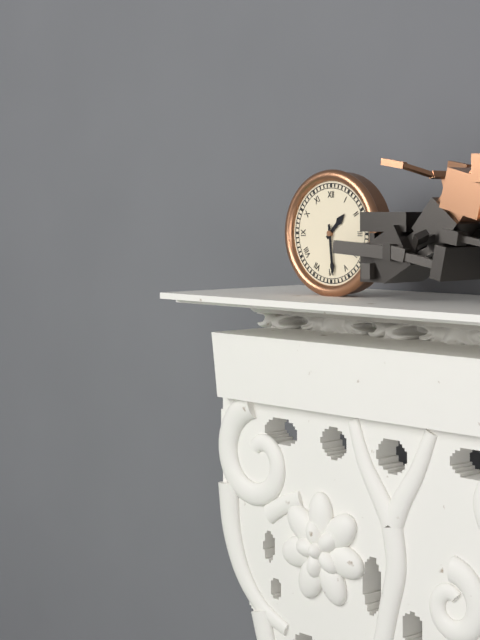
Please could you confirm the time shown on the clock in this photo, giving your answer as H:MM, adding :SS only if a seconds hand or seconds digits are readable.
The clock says 1:29
